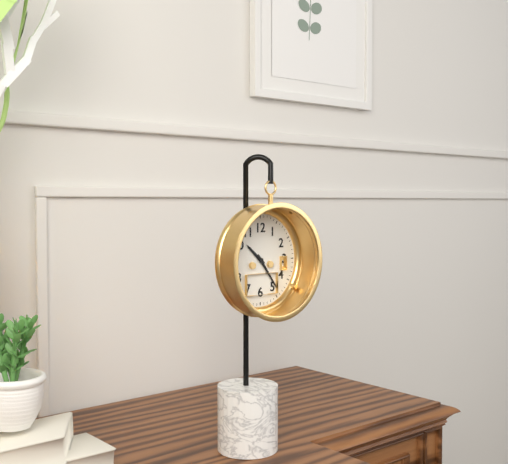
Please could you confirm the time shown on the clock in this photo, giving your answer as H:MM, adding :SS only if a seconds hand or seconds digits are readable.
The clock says 10:24
